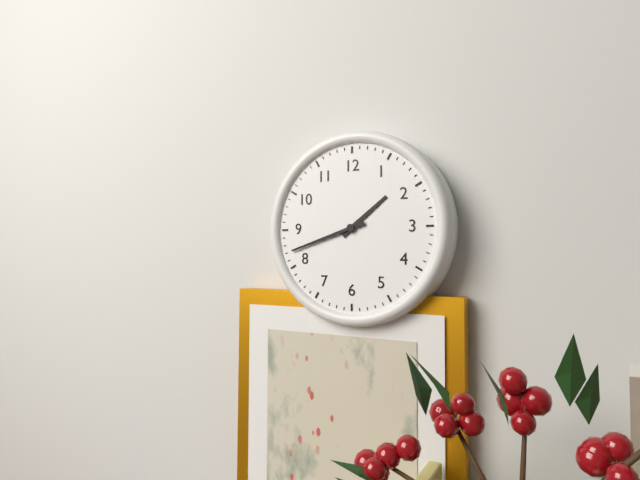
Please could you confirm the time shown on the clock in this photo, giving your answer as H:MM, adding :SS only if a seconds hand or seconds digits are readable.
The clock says 1:42
